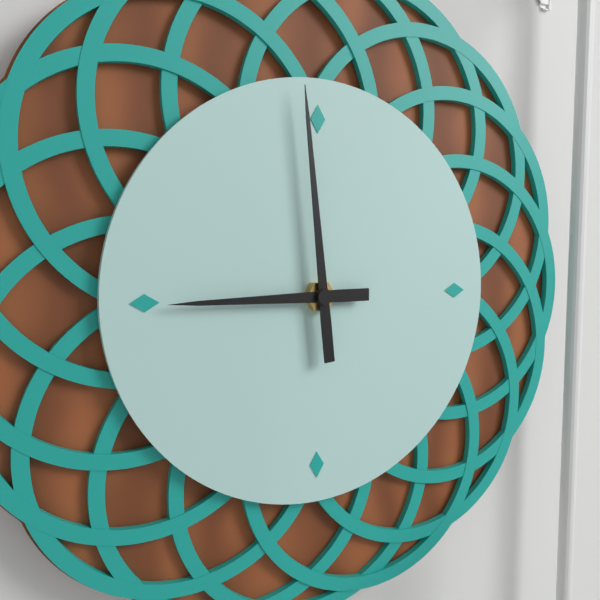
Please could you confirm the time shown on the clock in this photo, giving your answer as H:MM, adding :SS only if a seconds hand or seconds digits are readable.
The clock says 8:59
